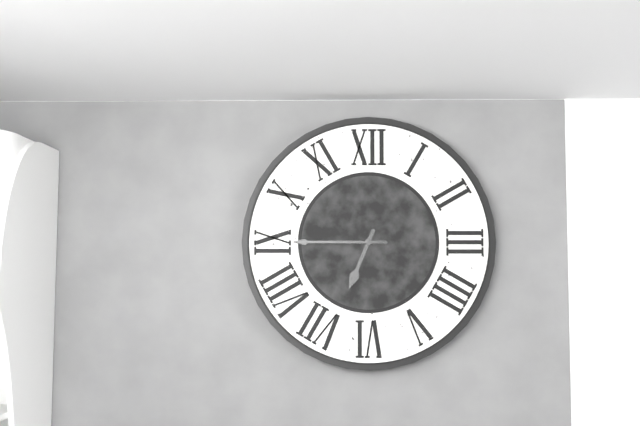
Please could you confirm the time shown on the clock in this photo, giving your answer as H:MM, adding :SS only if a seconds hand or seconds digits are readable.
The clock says 6:45
